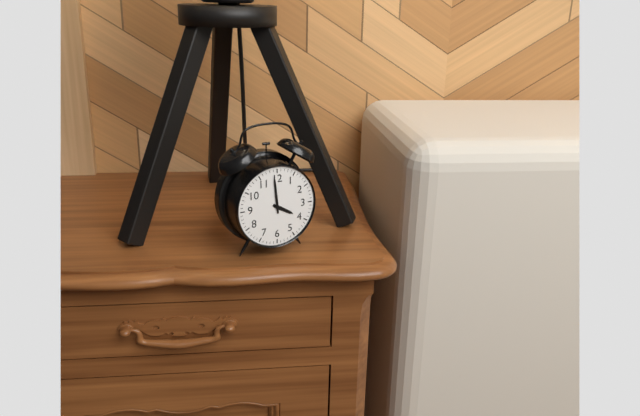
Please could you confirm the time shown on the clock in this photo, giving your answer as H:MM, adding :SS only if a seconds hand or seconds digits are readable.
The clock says 3:59
